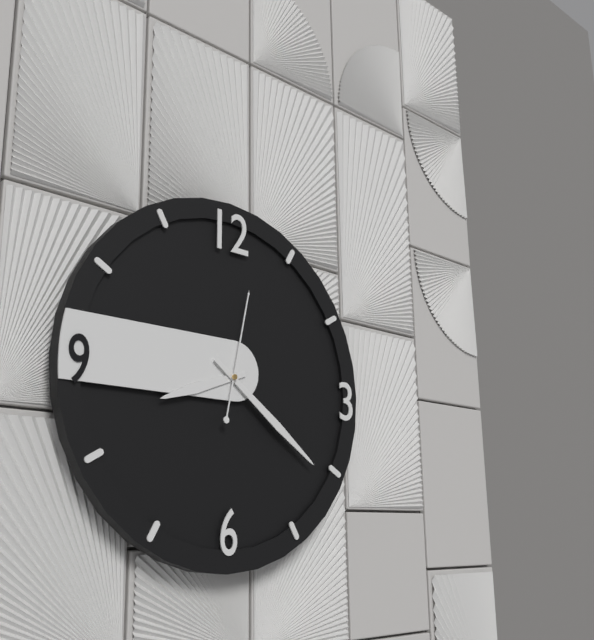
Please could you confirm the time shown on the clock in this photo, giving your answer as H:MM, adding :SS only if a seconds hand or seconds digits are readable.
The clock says 8:21:02
